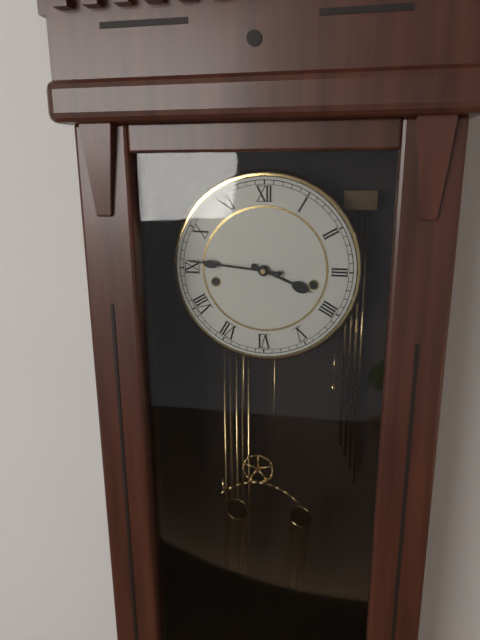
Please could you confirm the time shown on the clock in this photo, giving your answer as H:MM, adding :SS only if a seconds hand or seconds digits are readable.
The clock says 3:46
